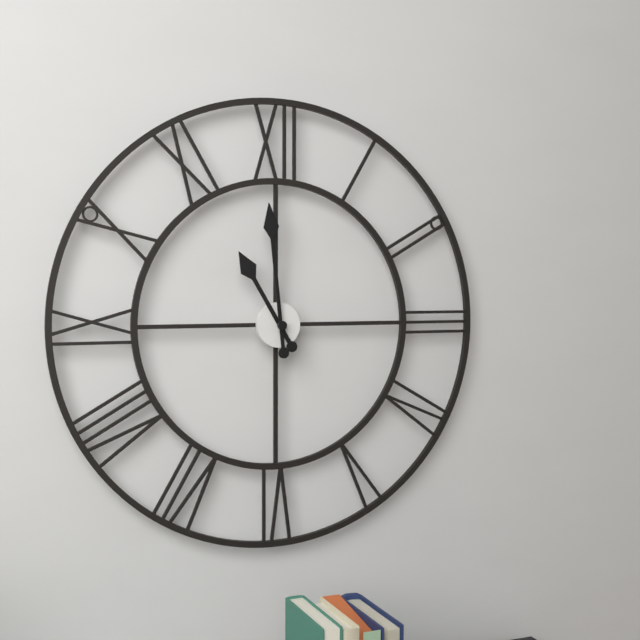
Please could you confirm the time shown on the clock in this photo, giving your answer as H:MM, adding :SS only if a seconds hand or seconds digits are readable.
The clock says 10:59
